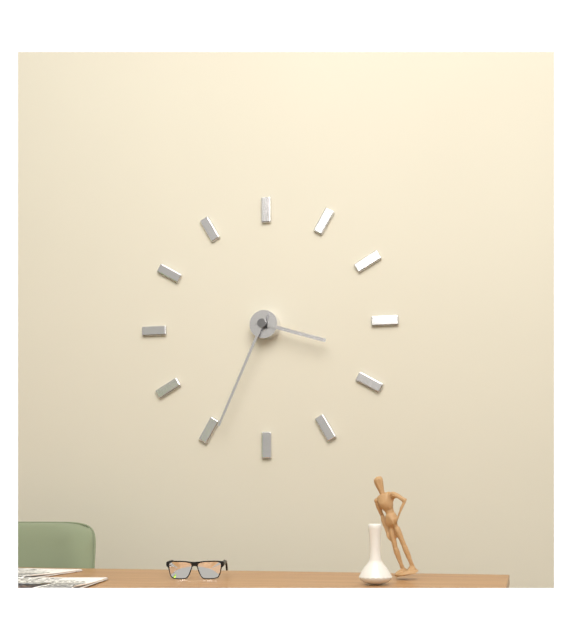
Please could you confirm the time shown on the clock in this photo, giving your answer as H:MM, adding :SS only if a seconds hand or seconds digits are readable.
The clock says 3:34
